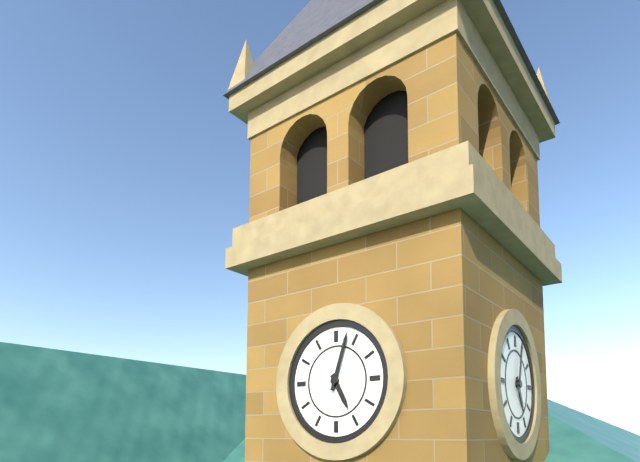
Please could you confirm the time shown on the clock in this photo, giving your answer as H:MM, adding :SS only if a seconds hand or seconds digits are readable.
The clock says 5:03
